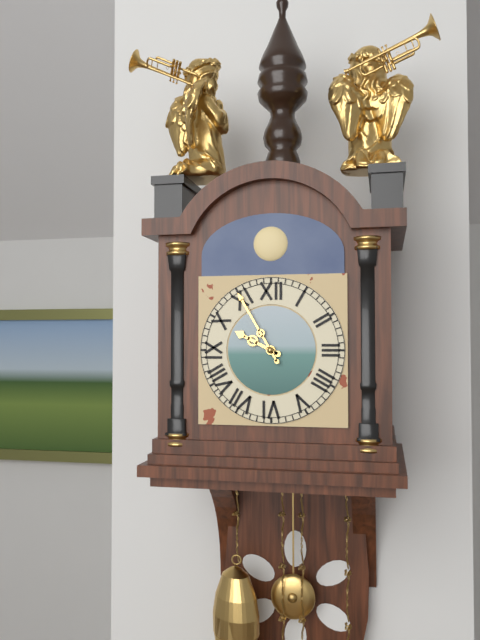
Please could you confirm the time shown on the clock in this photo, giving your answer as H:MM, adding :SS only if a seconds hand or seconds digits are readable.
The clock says 9:55
